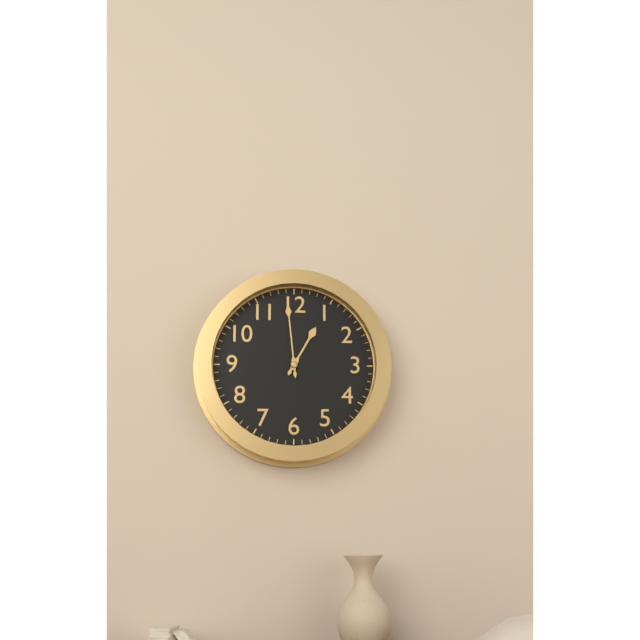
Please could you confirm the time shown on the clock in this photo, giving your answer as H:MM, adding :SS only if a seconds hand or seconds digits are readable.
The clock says 12:59
